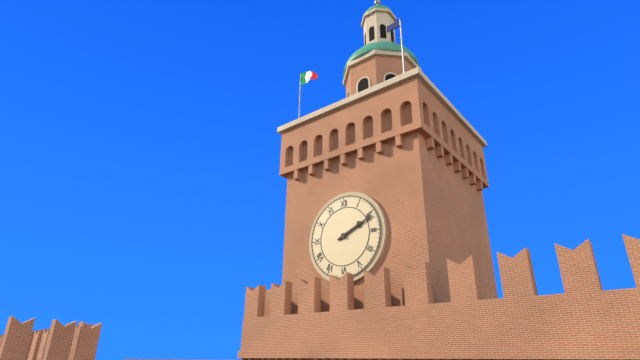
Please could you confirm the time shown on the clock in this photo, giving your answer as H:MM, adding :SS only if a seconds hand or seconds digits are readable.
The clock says 2:11
